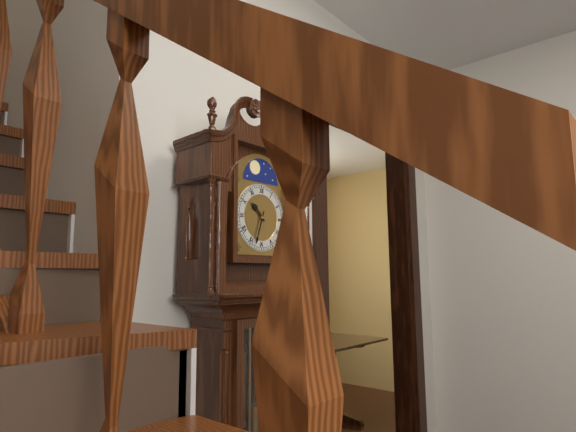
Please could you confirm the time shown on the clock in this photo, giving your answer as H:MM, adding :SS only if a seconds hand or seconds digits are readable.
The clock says 10:33
